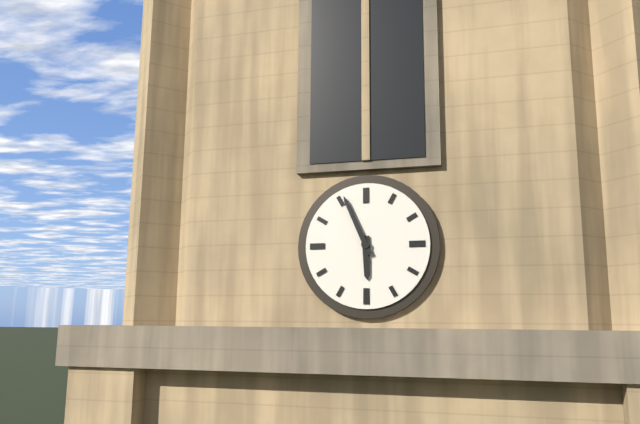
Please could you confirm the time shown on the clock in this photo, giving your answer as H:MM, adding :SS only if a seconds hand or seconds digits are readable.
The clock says 5:56
